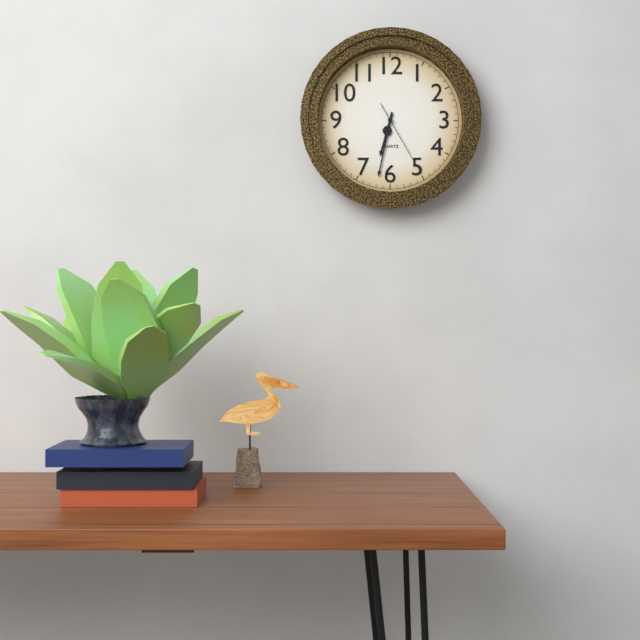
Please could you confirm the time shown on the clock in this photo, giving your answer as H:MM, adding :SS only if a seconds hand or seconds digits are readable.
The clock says 6:32:25
